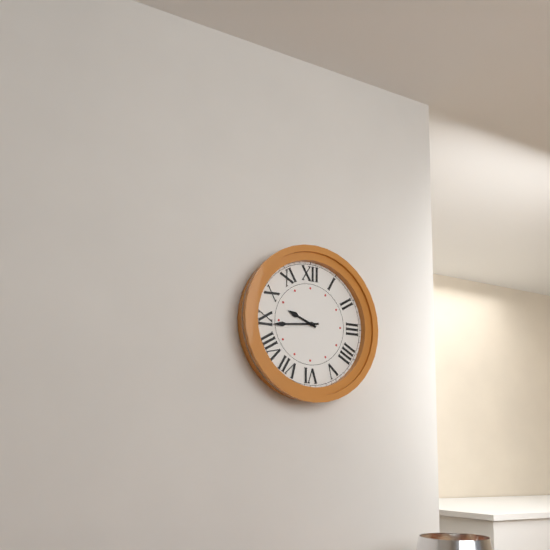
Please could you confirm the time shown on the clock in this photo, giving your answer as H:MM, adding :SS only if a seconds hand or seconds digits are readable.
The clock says 9:44
